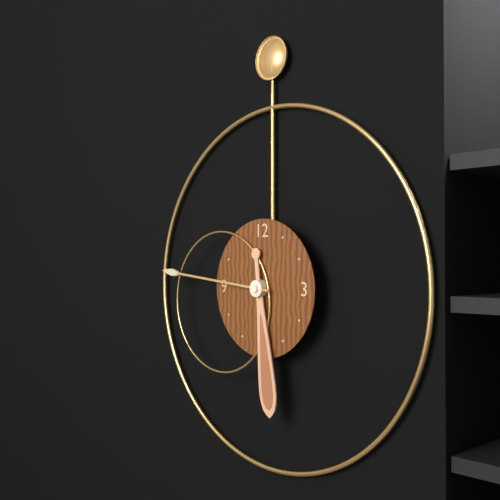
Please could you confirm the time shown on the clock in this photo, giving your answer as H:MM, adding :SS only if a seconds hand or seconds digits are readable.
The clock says 5:46
